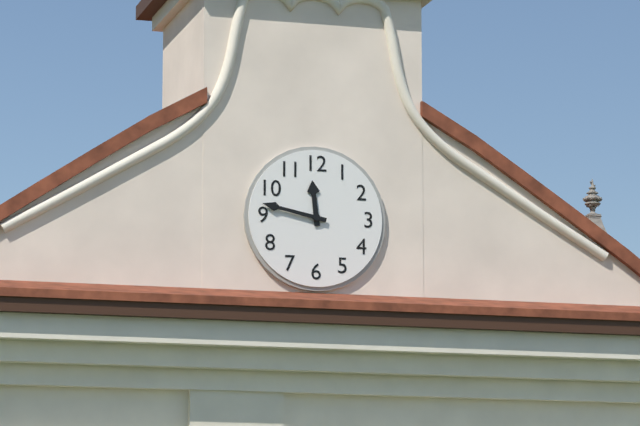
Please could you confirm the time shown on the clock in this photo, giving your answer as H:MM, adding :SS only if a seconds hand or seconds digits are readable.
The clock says 11:47
